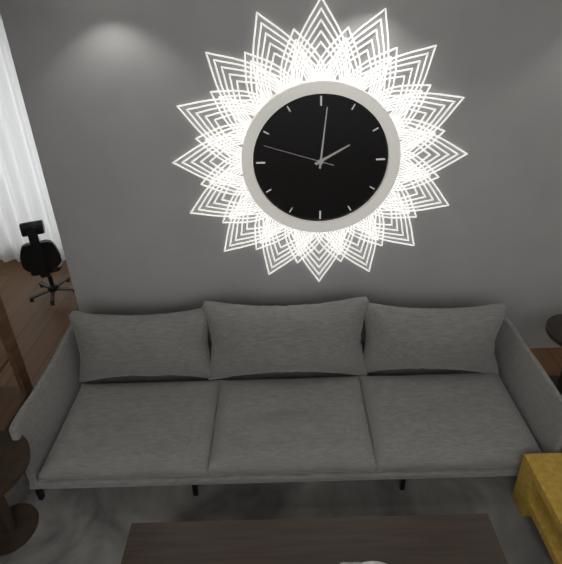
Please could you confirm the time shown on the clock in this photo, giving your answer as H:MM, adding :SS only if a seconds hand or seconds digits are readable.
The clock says 2:01:48
